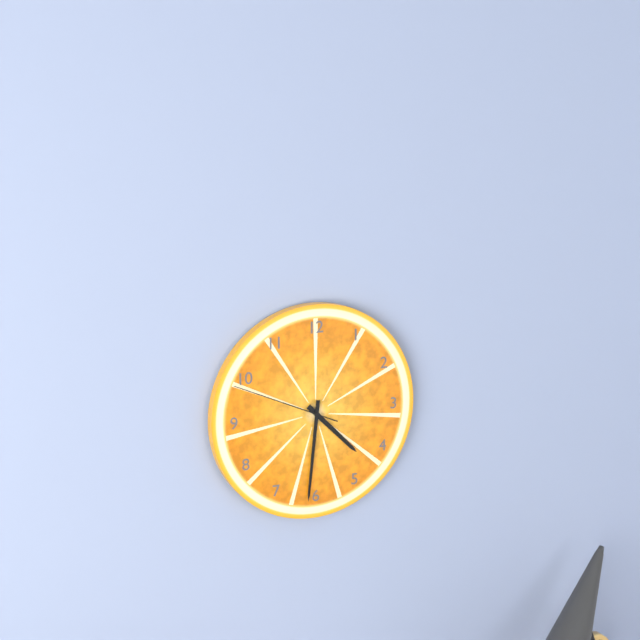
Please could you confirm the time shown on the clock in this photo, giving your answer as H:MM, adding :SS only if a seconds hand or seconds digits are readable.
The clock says 4:31:49
